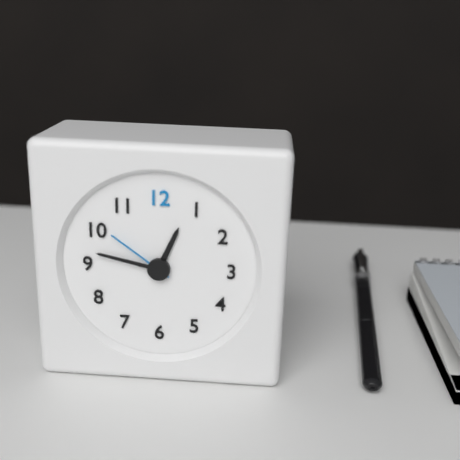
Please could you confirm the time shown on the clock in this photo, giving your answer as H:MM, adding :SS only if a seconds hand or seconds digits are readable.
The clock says 12:47:51
